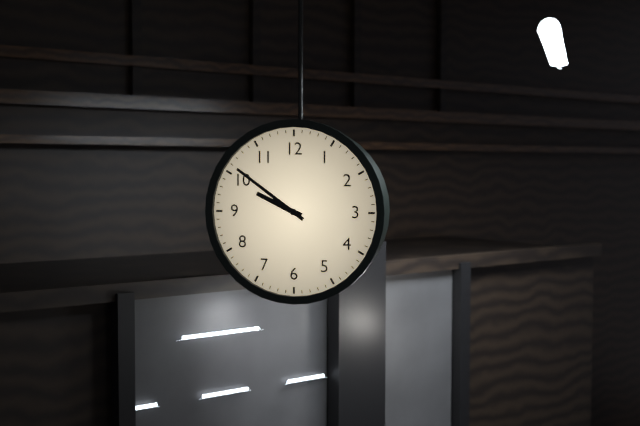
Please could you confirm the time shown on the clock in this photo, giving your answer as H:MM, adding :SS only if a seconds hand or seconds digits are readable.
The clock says 9:51
